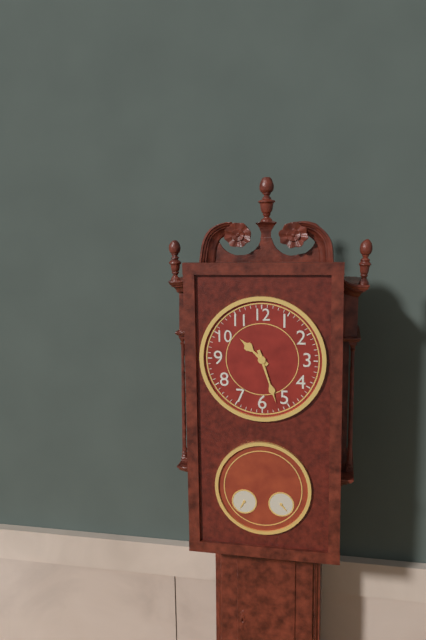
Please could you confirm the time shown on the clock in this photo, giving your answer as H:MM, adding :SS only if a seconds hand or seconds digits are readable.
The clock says 10:27
